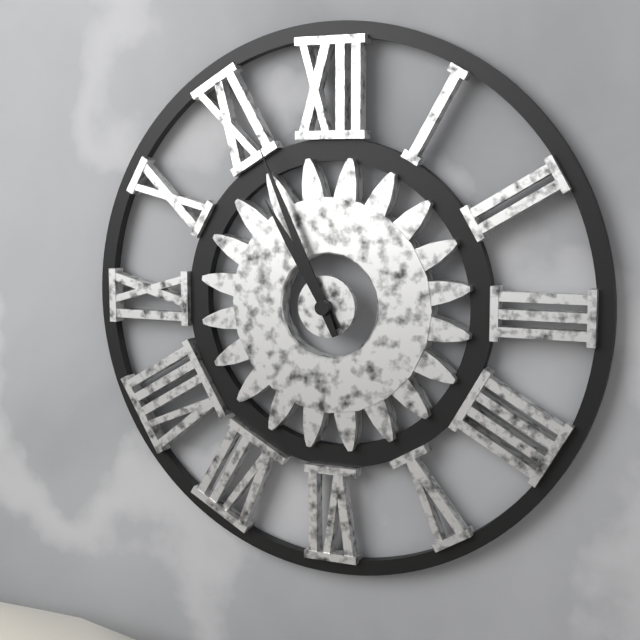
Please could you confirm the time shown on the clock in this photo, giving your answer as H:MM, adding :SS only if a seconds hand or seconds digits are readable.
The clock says 10:56
